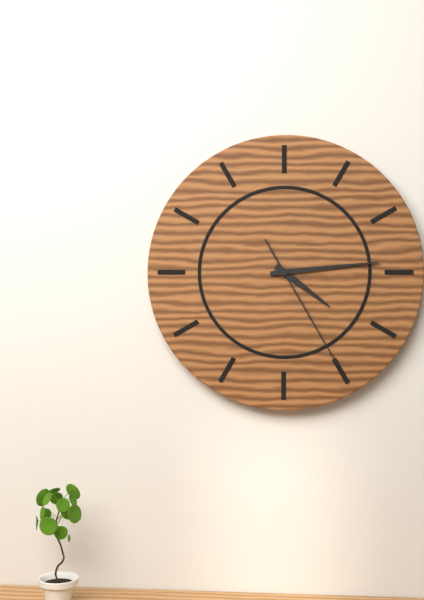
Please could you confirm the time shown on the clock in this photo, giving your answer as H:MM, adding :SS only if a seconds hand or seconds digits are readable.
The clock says 4:14:25
